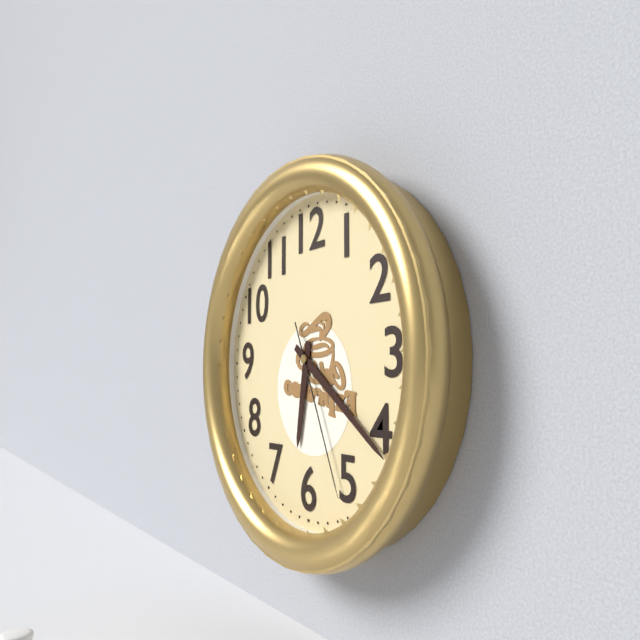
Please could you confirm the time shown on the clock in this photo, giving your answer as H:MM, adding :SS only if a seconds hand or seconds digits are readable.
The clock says 6:21:26
